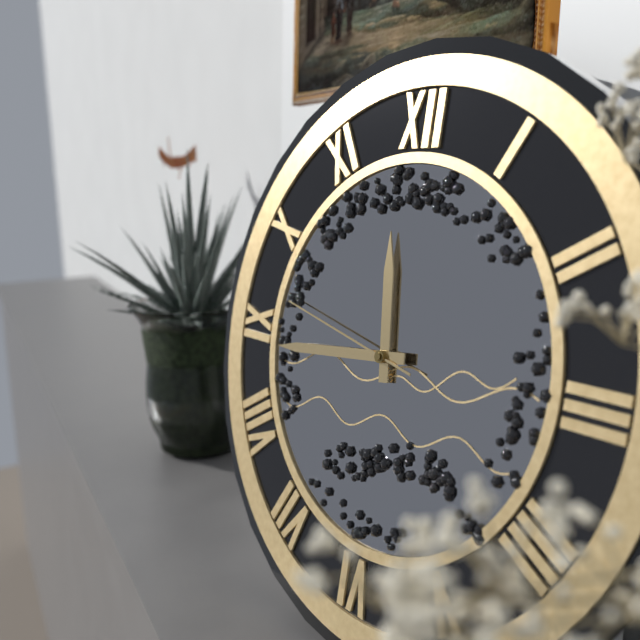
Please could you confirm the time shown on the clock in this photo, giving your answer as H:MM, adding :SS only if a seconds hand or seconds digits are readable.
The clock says 11:44:47
